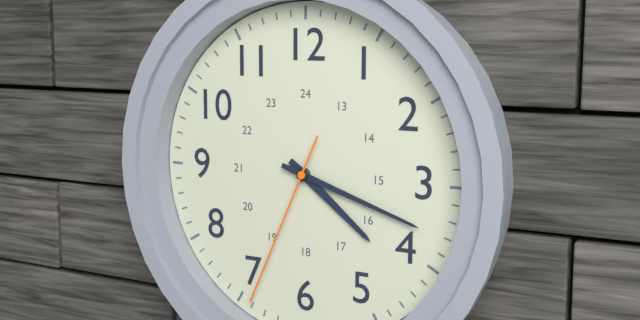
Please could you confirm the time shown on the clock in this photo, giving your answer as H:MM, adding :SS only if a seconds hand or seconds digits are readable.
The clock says 4:18:34
